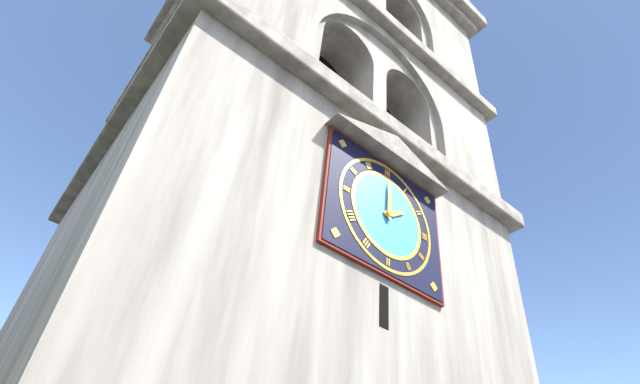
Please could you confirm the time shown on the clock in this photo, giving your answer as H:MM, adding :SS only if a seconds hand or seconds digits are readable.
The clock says 2:00
